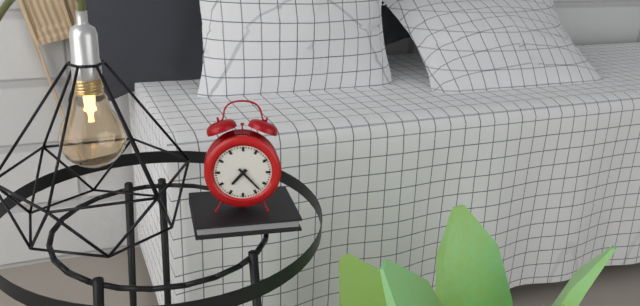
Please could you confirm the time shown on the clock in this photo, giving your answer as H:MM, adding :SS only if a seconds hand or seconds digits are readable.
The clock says 7:23
